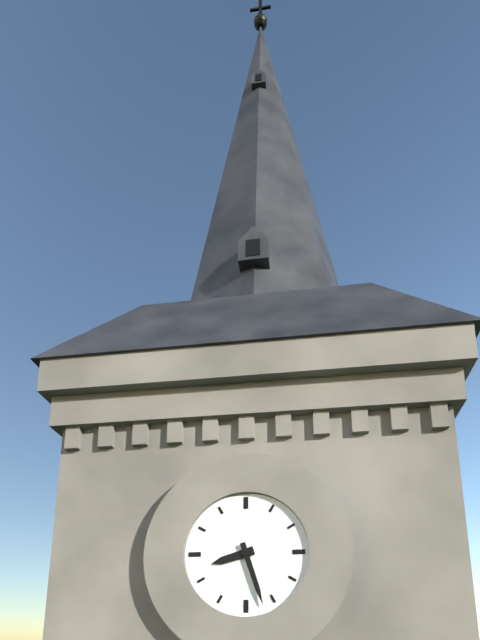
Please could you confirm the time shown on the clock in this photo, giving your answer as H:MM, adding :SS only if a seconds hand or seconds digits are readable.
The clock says 8:27
